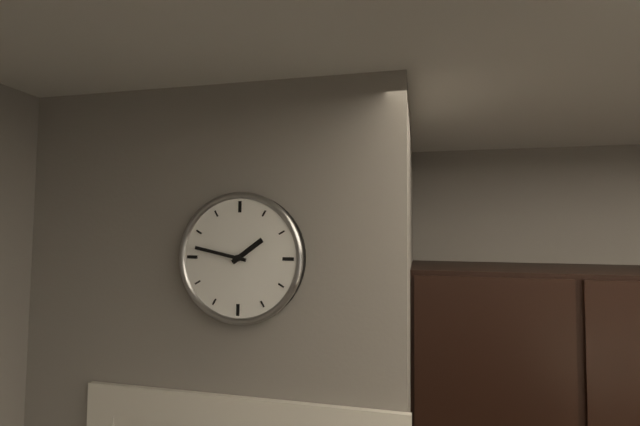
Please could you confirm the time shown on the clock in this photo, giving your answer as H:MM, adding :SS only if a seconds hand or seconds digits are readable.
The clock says 1:47
